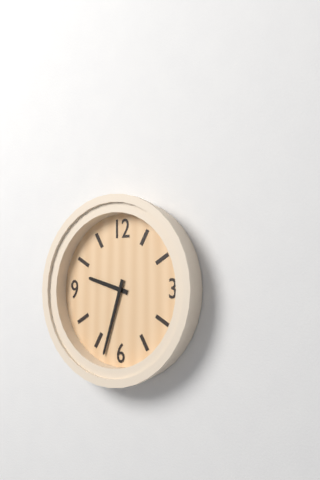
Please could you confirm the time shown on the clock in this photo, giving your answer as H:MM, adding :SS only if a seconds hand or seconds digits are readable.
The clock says 9:33
